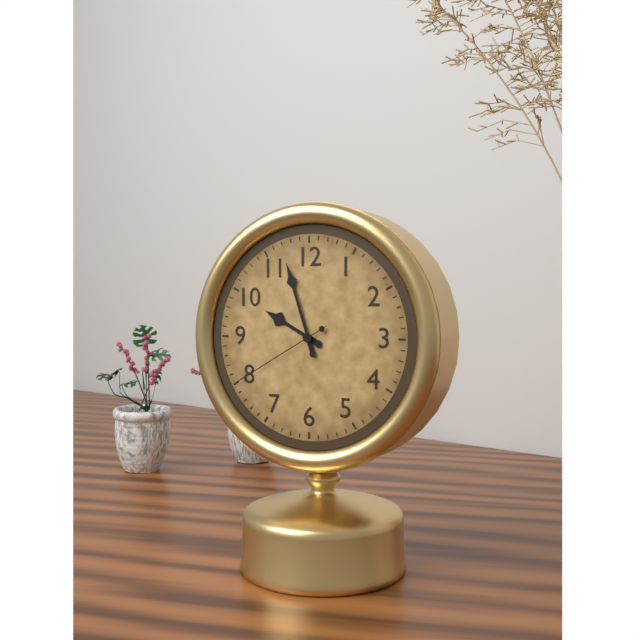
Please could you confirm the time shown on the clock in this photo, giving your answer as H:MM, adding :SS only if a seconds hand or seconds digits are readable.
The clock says 9:57:40
